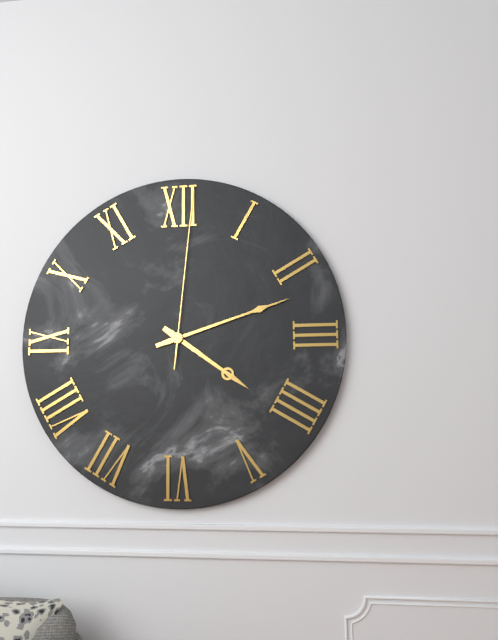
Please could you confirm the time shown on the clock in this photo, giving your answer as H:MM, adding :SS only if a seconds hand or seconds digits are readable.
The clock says 4:12:01
